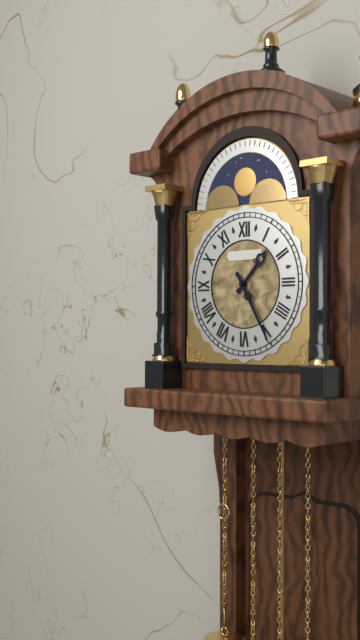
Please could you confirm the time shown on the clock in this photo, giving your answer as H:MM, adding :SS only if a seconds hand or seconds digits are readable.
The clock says 1:25
